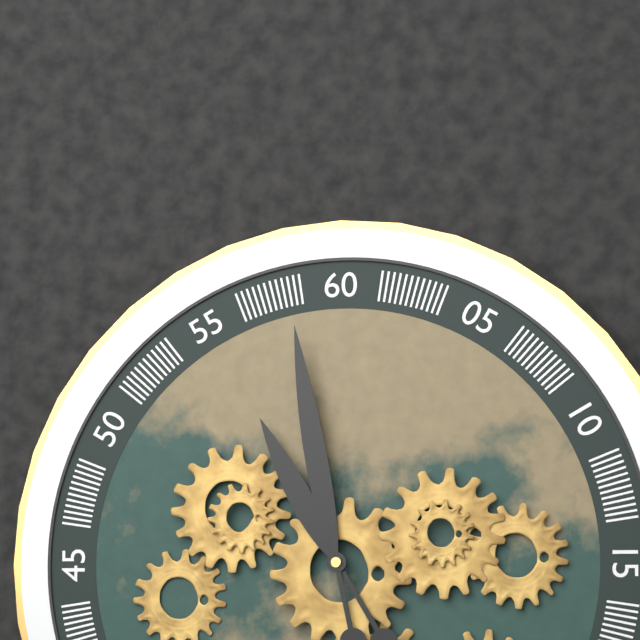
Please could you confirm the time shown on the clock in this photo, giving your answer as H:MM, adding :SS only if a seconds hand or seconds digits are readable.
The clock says 10:58
